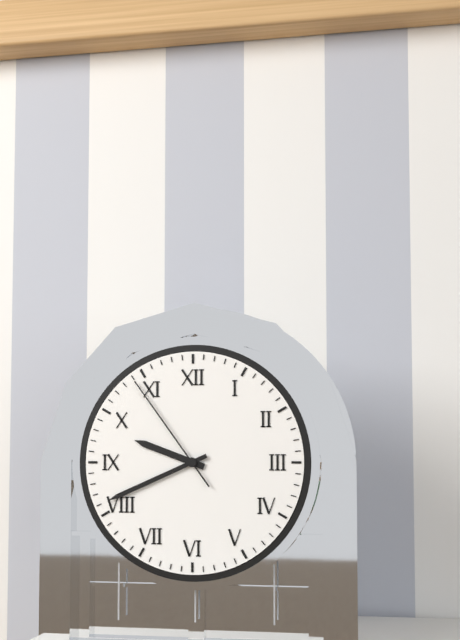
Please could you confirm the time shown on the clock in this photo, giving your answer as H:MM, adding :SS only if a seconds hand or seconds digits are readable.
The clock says 9:41:54
